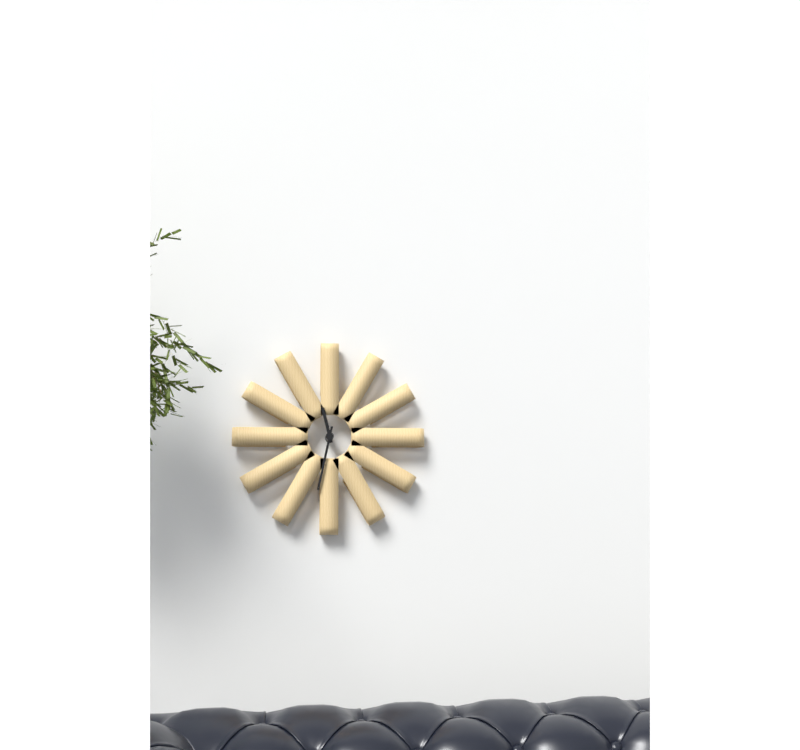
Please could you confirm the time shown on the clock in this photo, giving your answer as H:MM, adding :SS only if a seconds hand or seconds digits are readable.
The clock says 11:32
